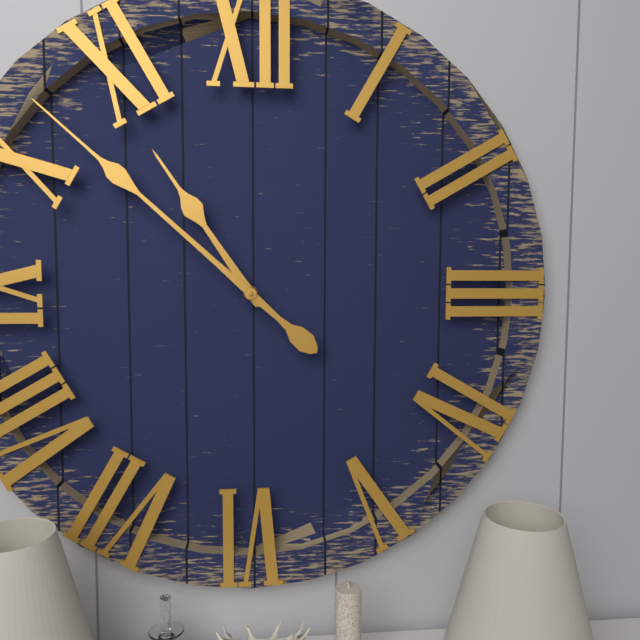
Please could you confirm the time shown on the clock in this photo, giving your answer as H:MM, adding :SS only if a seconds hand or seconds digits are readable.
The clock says 10:52
